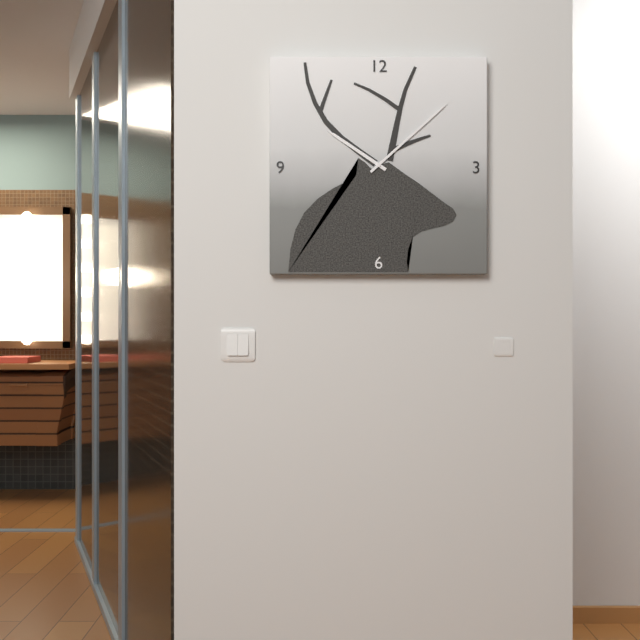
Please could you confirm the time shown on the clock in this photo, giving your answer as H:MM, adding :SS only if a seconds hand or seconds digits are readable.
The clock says 10:08
